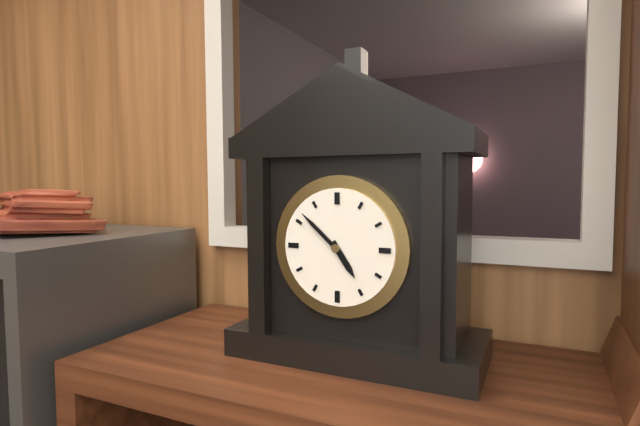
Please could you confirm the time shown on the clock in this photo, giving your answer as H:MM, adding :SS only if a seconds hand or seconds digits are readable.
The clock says 4:52
